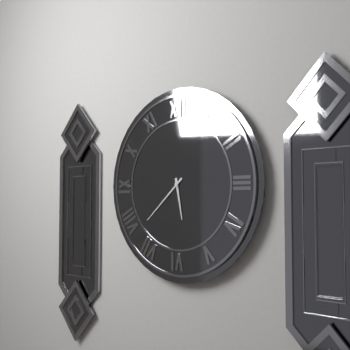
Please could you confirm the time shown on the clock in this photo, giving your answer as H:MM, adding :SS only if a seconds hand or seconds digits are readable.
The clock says 5:38
